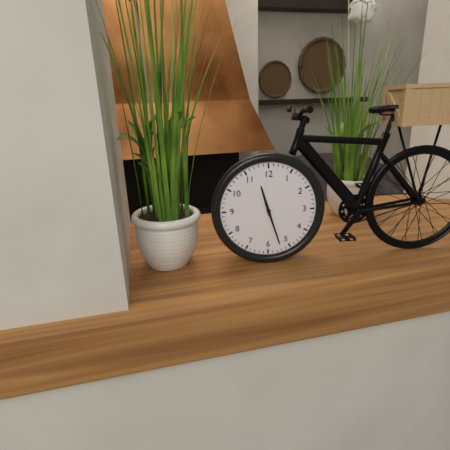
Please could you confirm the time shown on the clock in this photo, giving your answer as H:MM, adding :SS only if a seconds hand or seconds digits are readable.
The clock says 11:27
